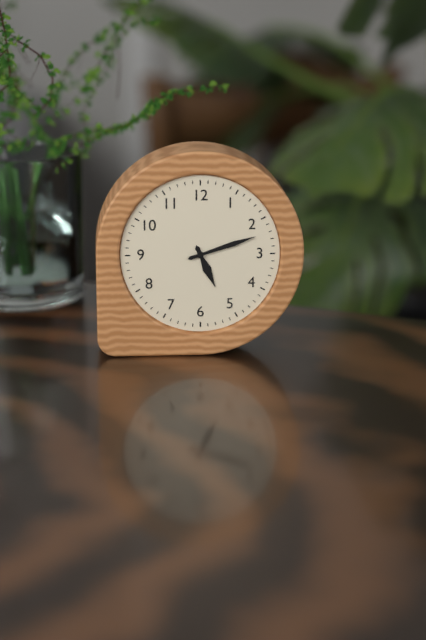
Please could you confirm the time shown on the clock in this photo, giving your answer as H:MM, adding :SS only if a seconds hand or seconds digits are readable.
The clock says 5:12
